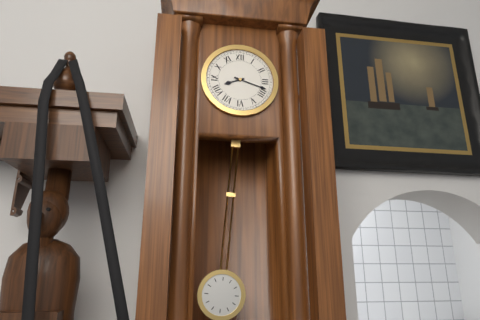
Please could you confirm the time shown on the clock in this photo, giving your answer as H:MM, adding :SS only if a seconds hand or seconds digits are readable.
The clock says 8:18
